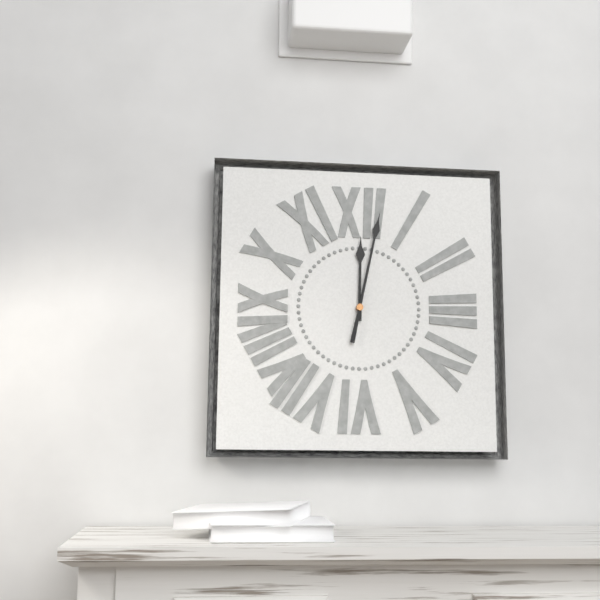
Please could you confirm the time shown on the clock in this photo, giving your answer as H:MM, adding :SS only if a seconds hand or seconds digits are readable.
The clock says 12:02
